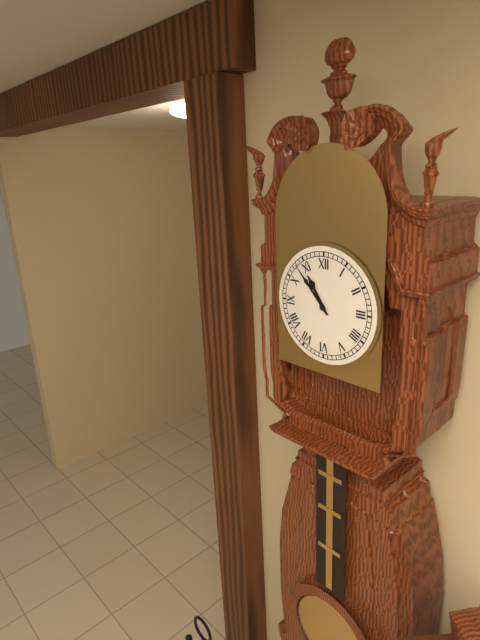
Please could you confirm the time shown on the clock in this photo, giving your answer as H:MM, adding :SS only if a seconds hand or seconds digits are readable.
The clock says 10:53
